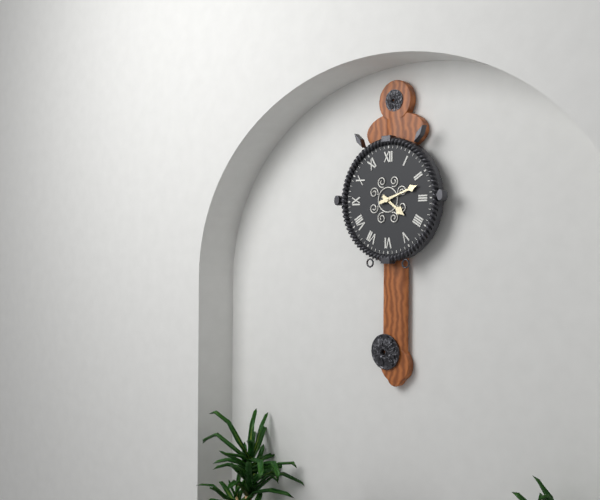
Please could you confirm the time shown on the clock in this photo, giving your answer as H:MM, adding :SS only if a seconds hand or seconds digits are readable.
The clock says 4:12
